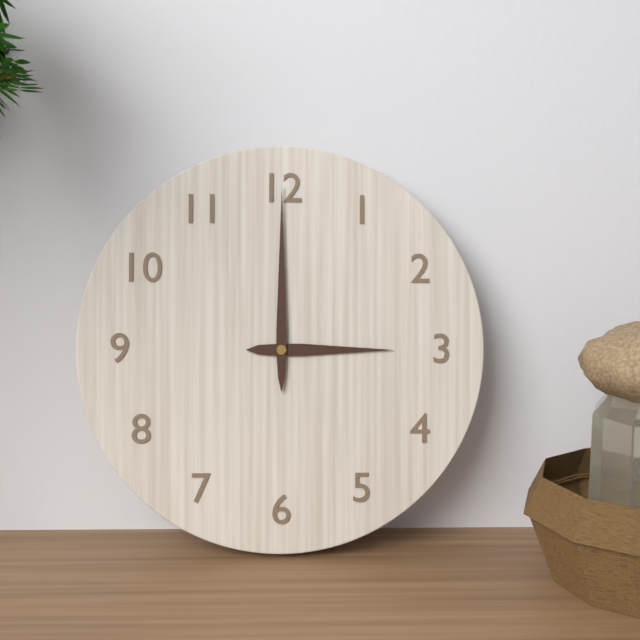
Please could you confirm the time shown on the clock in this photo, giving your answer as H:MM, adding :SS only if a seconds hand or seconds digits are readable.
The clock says 3:00
